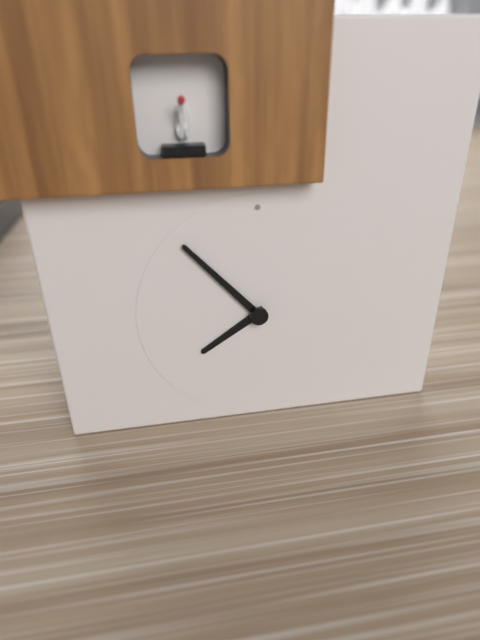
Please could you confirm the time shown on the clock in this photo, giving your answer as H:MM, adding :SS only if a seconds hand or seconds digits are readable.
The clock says 7:53
